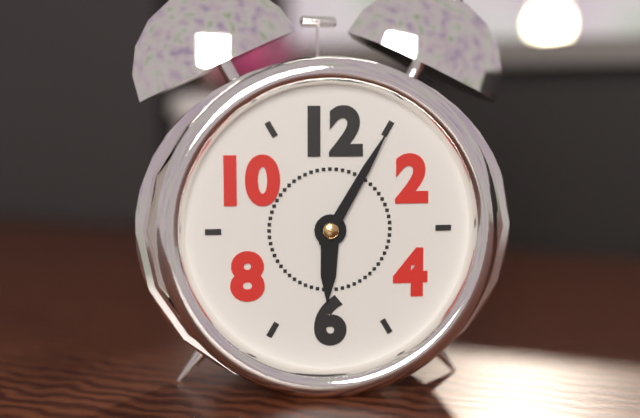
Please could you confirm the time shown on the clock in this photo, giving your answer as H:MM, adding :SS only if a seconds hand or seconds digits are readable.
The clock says 6:05
